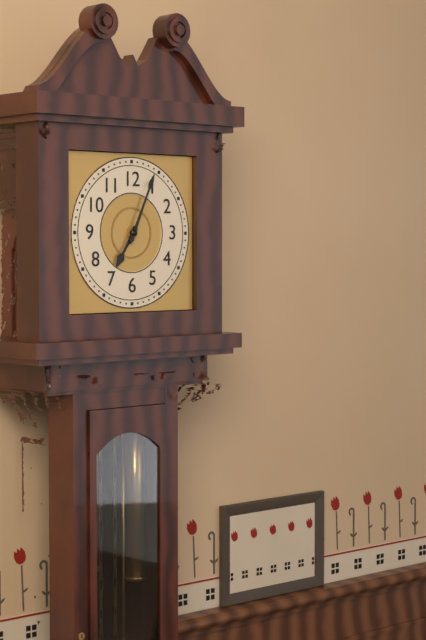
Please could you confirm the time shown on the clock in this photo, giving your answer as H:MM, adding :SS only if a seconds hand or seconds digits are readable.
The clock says 7:04
